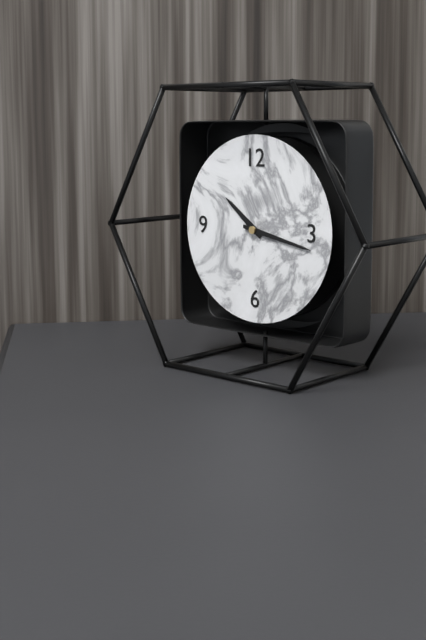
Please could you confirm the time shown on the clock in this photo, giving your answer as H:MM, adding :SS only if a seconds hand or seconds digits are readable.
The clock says 10:17
